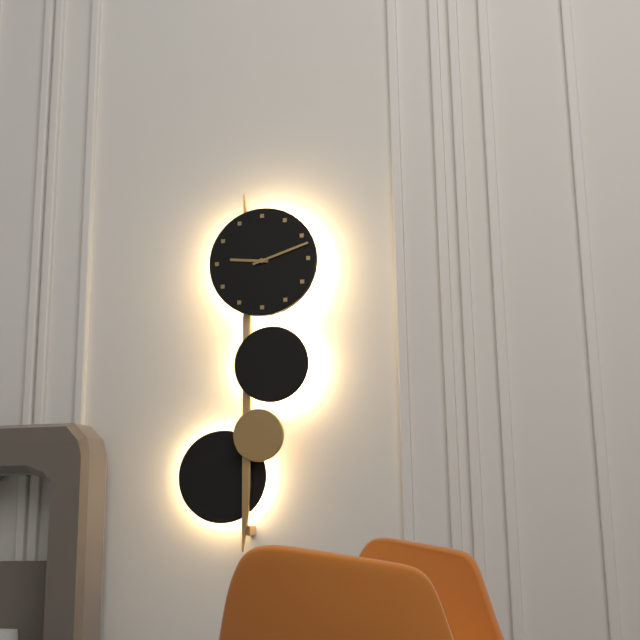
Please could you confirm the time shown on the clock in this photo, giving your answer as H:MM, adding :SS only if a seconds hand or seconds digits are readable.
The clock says 9:12
